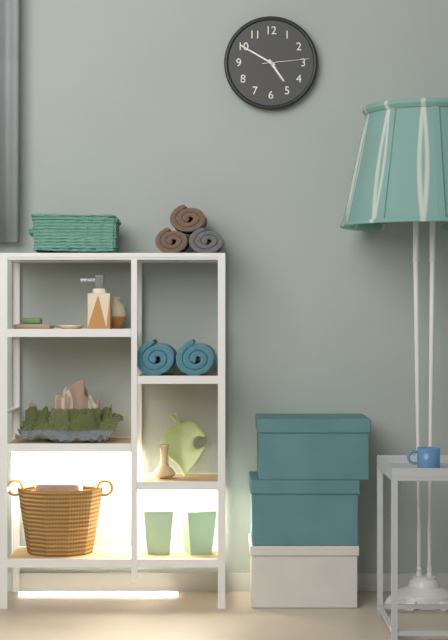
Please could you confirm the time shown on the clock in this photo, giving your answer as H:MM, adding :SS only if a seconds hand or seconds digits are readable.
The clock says 4:50
